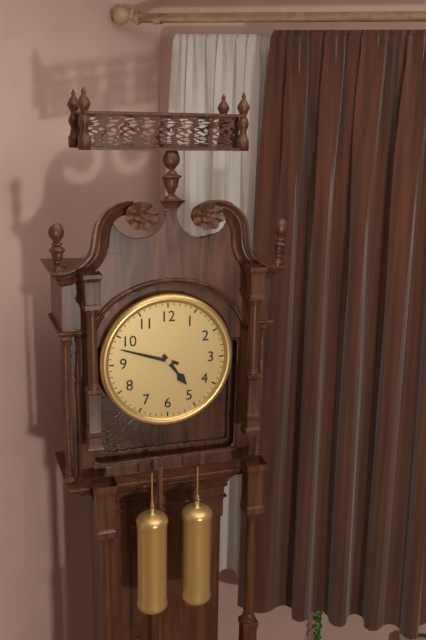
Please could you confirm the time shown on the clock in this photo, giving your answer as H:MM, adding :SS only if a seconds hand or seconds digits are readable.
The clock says 4:48
